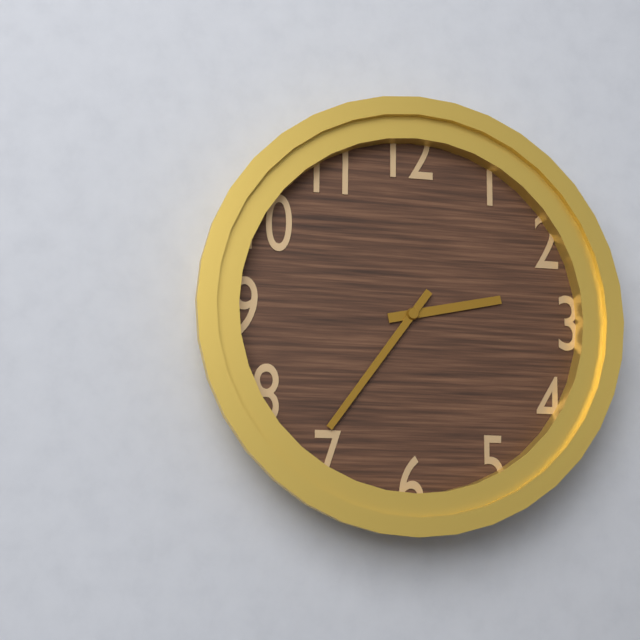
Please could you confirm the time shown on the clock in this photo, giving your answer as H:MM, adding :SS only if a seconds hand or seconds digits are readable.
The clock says 2:36
